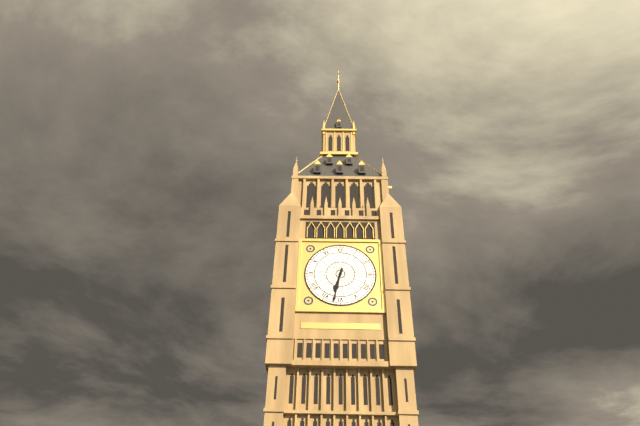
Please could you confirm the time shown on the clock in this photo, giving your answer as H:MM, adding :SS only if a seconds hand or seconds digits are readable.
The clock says 6:32
